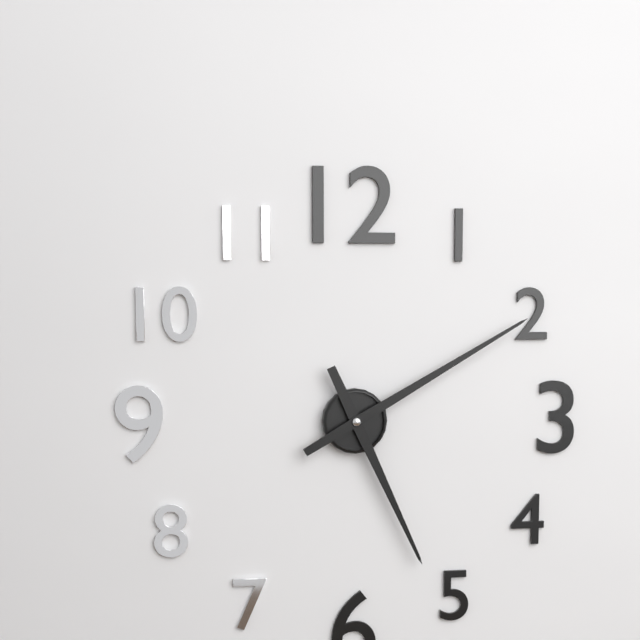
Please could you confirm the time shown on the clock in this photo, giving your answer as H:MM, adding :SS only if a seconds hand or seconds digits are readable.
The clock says 5:10
